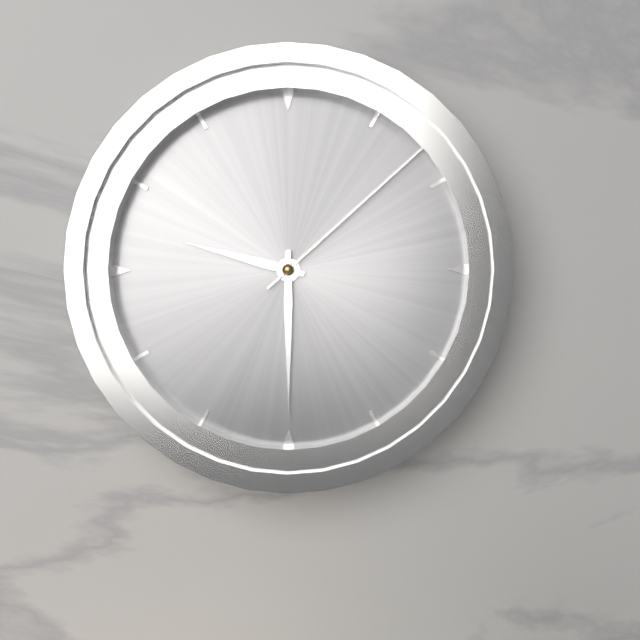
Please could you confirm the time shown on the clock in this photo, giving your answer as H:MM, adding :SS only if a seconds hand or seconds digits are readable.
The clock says 9:30:08
